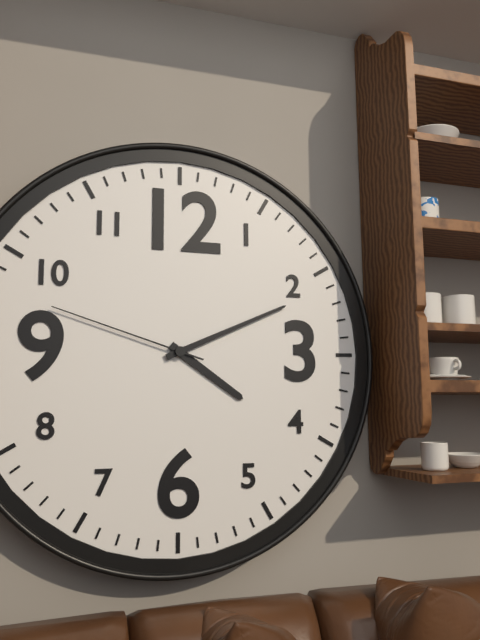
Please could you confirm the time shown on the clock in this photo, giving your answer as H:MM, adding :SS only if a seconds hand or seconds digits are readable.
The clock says 4:11:48
